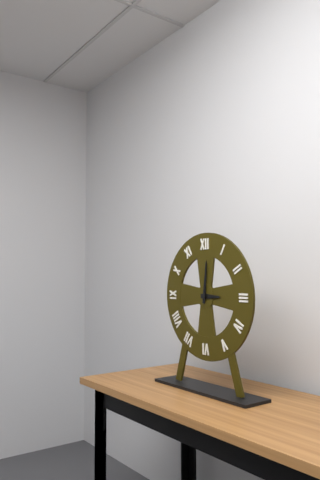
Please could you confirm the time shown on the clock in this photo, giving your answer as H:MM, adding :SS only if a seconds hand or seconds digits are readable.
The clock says 3:01
